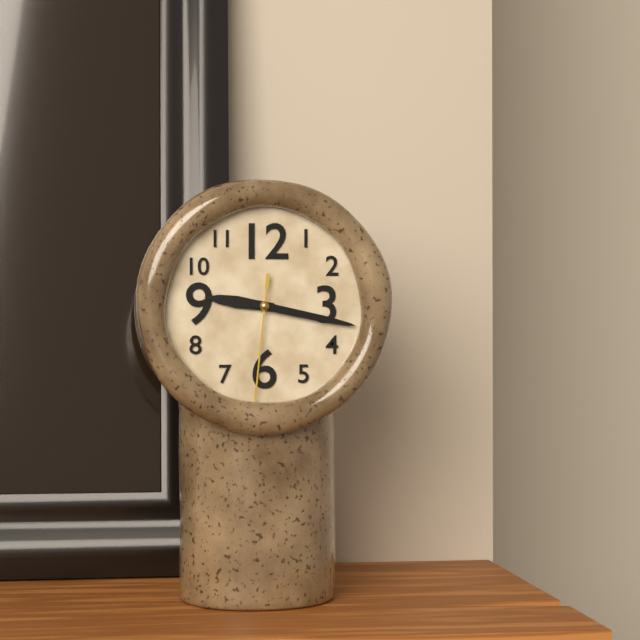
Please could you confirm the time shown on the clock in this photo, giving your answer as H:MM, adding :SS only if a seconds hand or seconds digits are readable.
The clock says 9:17:31
